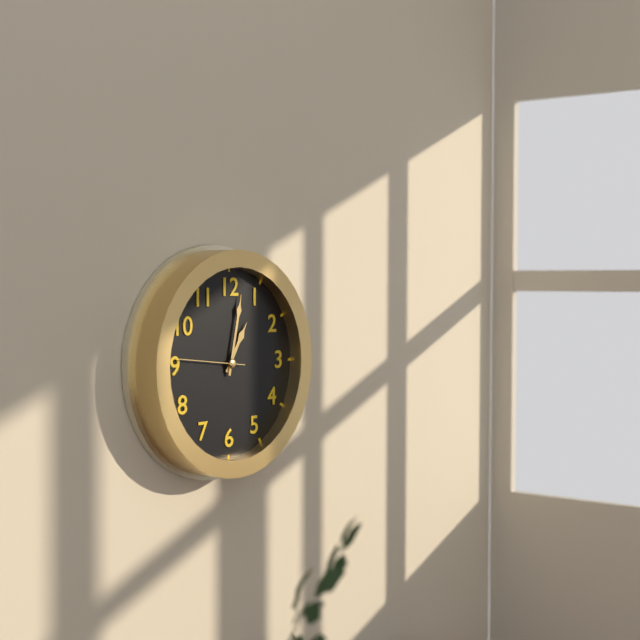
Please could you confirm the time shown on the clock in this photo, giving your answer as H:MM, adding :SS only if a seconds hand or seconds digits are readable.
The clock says 1:02:46
